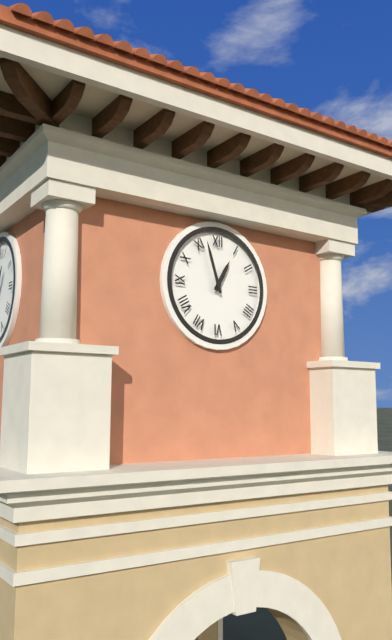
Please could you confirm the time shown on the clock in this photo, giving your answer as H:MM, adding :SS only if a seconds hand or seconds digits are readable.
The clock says 12:57
